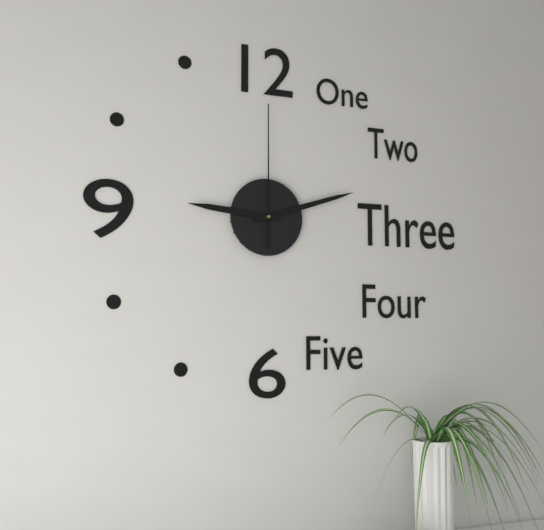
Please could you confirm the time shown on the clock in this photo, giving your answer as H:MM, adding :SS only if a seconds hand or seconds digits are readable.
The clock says 9:12:00
